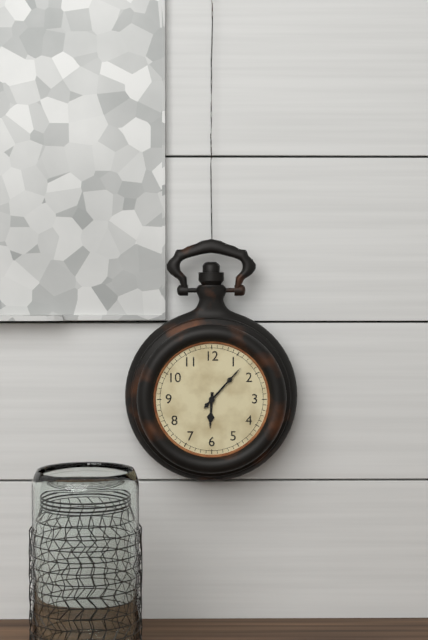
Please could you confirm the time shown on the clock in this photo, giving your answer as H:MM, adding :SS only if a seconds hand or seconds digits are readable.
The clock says 6:07
